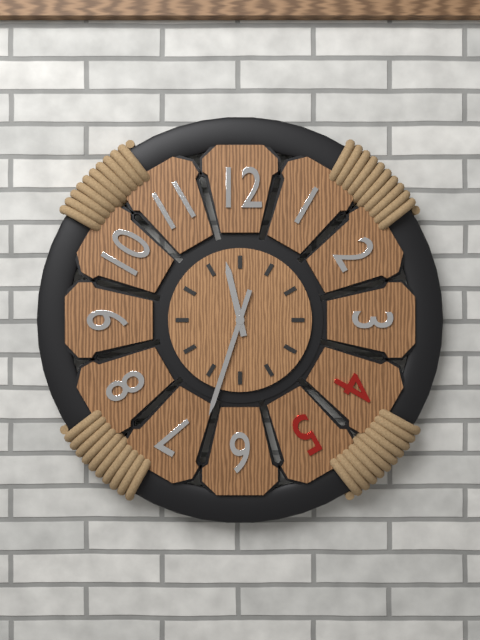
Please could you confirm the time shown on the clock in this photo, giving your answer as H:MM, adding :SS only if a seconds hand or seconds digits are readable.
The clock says 11:33
